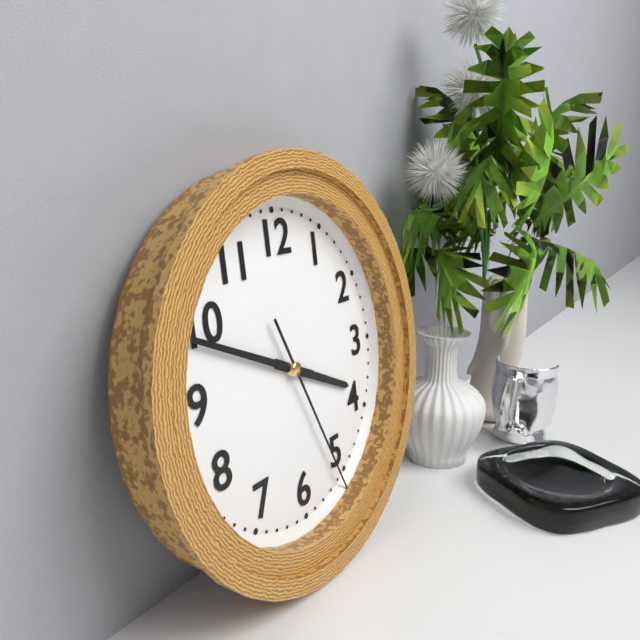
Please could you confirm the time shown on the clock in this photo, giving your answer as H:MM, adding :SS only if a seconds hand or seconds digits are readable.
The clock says 3:49:26
